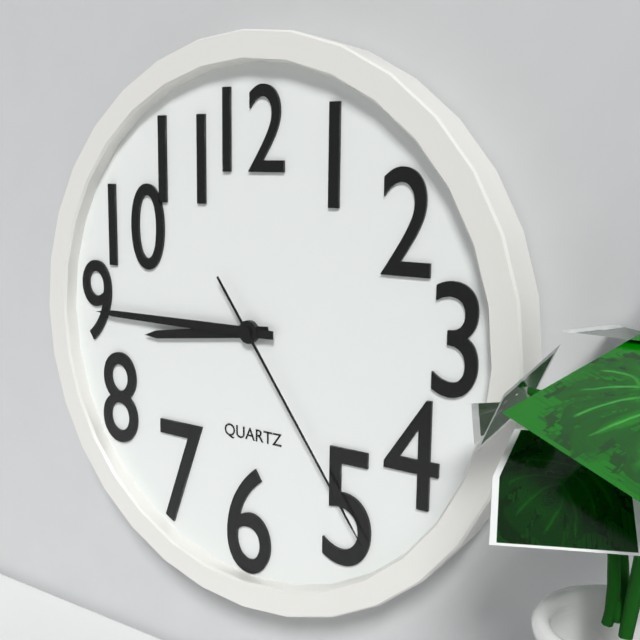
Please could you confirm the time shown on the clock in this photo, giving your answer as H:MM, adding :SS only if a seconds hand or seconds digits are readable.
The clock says 8:45:24
